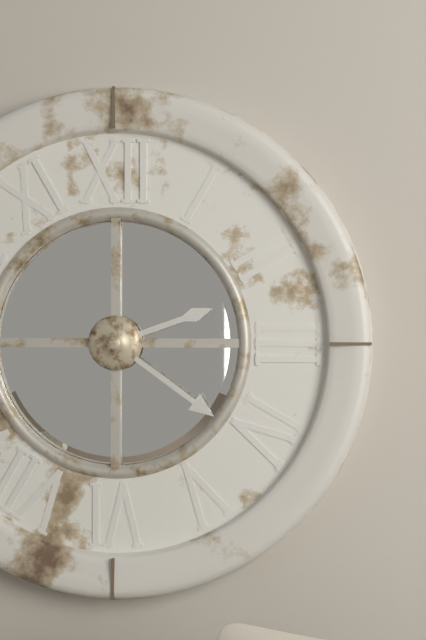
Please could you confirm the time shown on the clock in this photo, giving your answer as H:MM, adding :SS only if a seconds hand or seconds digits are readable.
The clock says 2:21
